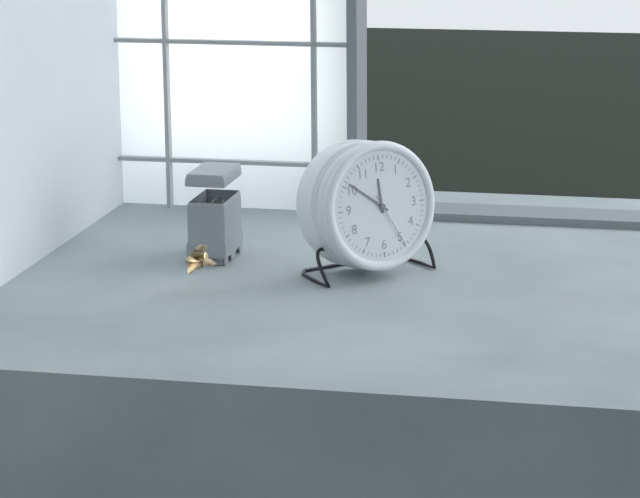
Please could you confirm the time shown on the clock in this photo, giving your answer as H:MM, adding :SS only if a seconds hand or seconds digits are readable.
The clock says 11:51:25
